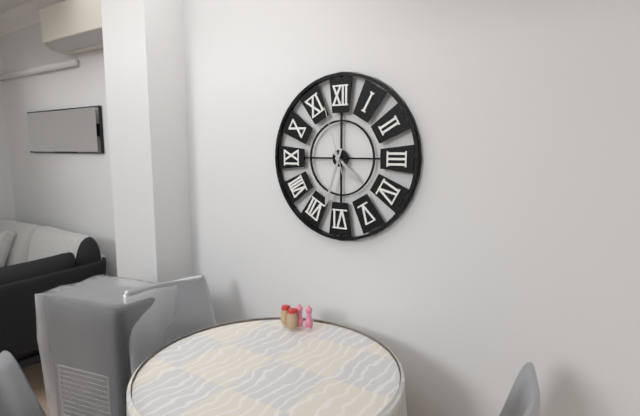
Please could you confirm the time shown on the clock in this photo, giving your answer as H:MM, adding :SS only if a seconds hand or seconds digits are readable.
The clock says 4:33:57
